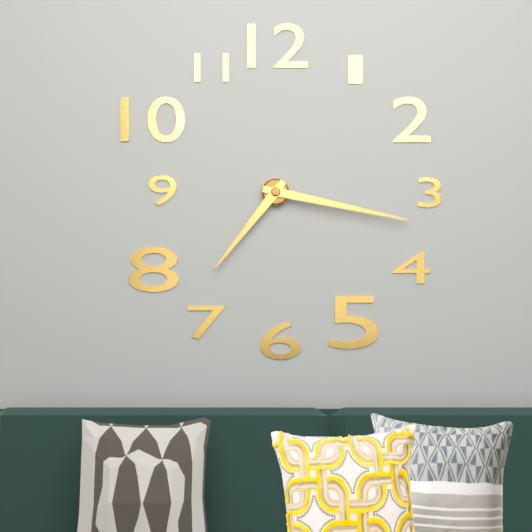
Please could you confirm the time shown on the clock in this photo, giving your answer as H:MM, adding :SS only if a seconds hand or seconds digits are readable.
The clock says 7:17
